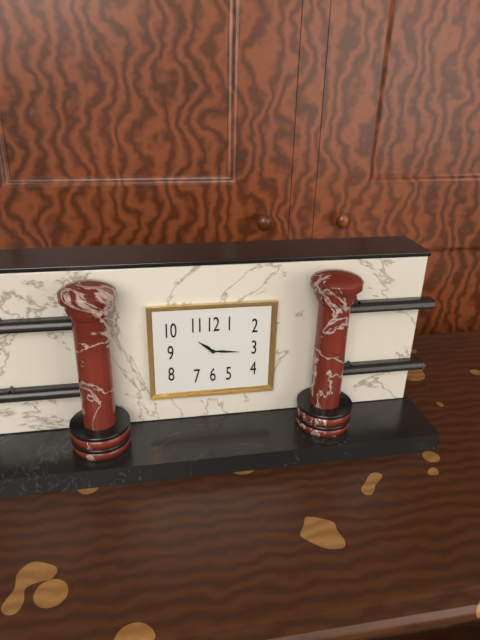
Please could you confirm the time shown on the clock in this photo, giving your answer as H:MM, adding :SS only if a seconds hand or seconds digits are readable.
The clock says 10:16
